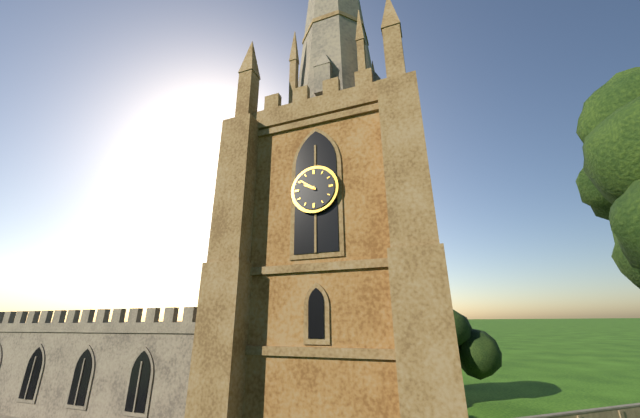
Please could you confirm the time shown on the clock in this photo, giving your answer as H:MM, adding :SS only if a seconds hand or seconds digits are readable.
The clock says 9:51
